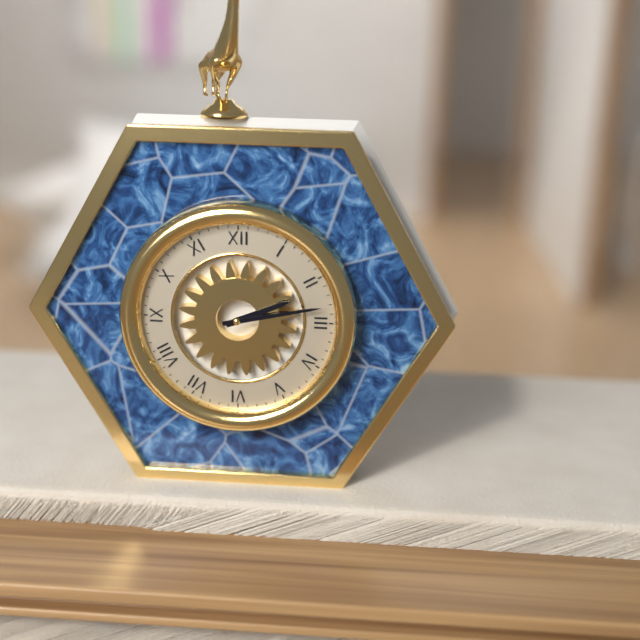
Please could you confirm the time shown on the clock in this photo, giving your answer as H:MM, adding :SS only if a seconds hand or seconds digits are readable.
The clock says 2:13
